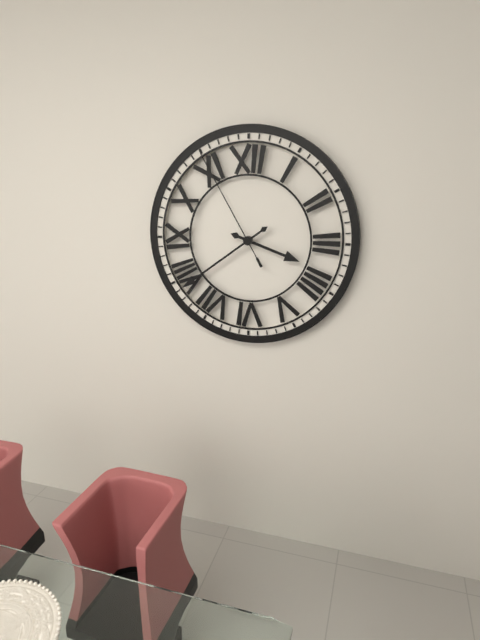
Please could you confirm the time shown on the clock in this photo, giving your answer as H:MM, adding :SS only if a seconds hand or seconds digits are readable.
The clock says 3:39:55
